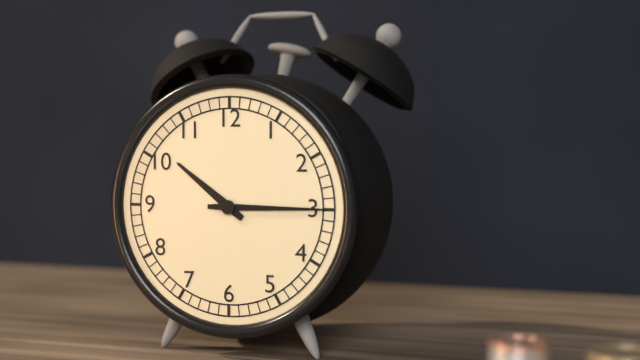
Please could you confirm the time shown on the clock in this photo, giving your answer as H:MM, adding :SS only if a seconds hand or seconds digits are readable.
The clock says 10:15
